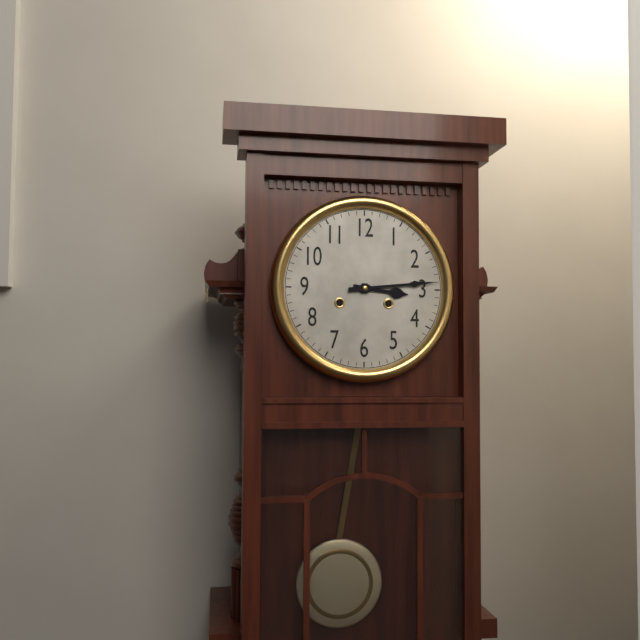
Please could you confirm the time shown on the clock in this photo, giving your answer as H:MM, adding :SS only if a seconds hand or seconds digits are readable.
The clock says 3:14
